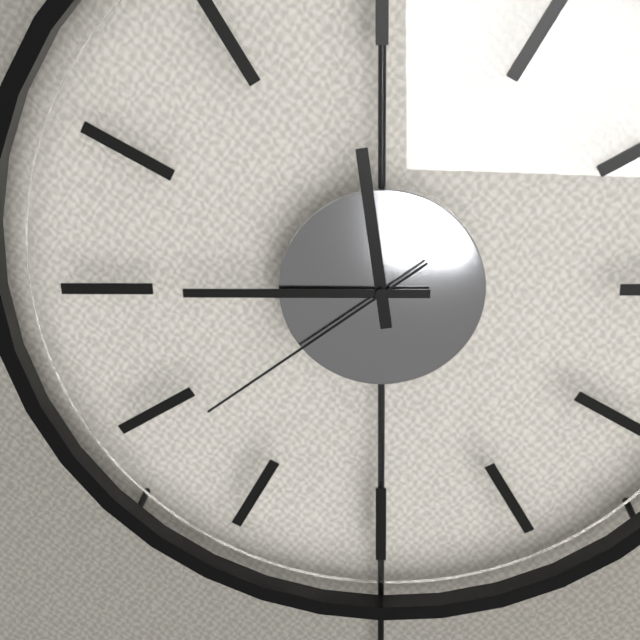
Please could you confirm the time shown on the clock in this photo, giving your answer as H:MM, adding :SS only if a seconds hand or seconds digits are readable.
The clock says 11:45:39
